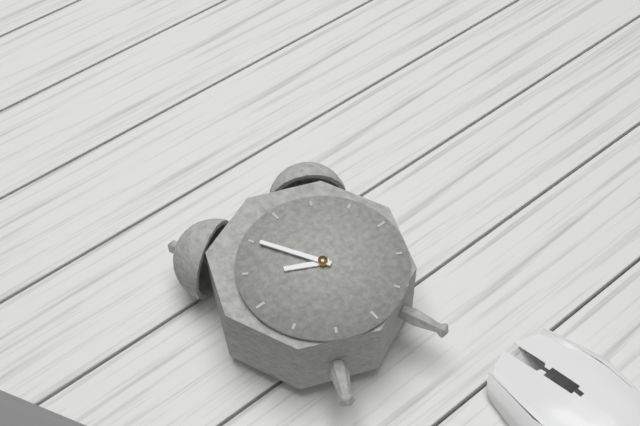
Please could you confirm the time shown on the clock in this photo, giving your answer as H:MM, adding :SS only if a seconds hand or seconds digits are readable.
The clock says 9:55
